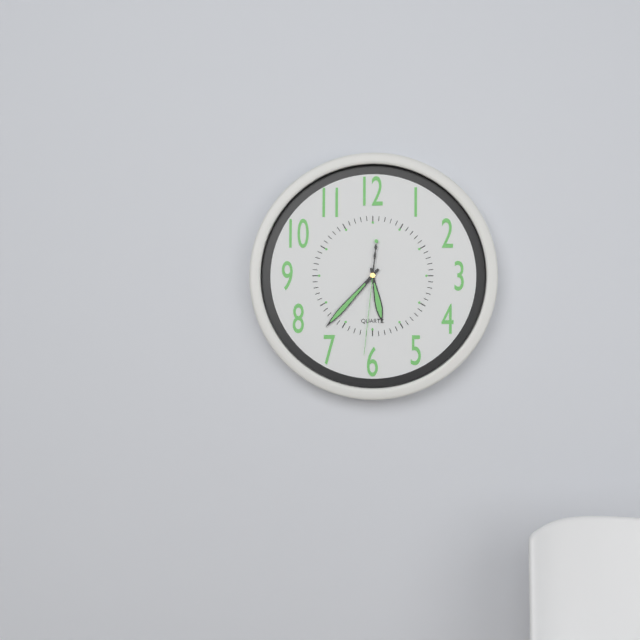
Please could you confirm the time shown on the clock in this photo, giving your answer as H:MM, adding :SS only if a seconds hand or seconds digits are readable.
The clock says 5:37:31
